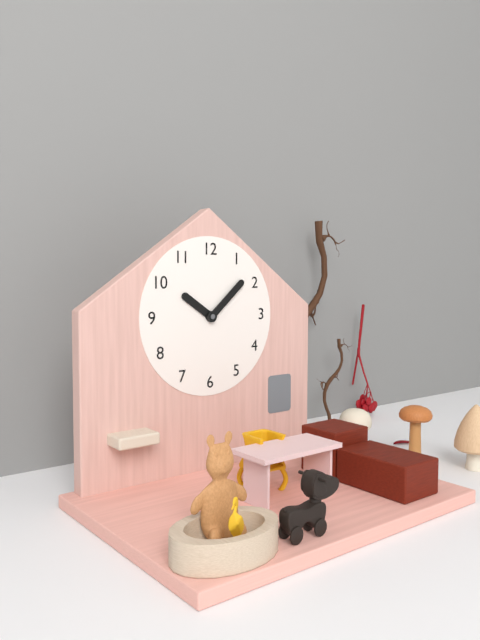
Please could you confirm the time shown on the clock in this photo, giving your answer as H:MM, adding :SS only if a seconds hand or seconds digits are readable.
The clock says 10:08
